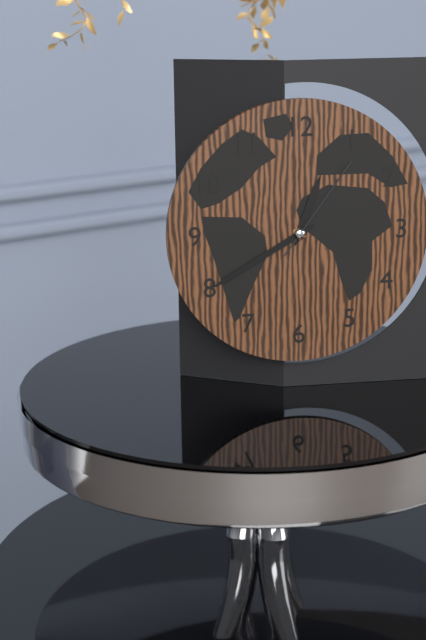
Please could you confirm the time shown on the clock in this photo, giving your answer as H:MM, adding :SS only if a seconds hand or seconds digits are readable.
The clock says 12:40:06
